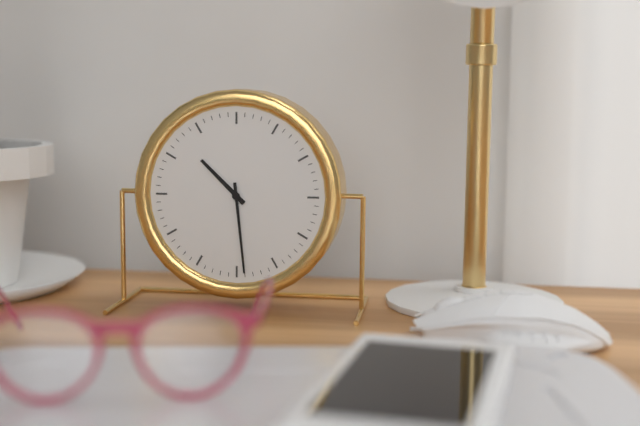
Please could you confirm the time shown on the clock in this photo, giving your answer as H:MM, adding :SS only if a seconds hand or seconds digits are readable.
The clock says 10:29
